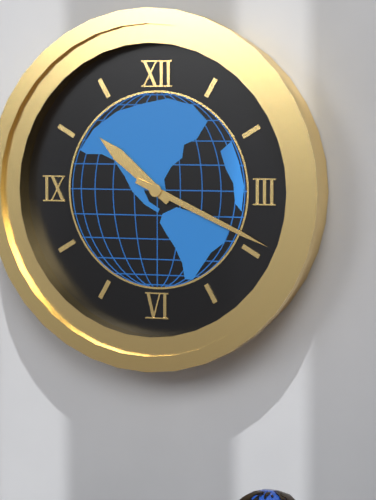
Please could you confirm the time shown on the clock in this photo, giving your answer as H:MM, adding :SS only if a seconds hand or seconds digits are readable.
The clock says 10:19
